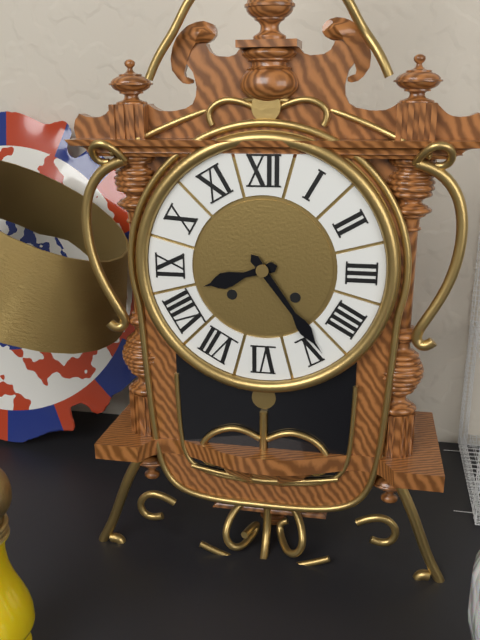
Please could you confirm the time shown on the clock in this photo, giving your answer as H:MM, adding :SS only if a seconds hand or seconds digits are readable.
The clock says 8:24
